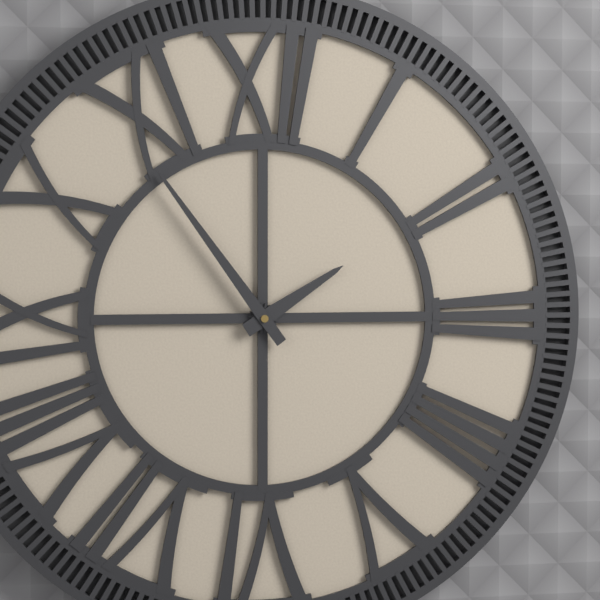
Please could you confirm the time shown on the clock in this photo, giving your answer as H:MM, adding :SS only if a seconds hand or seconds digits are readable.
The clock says 1:54
